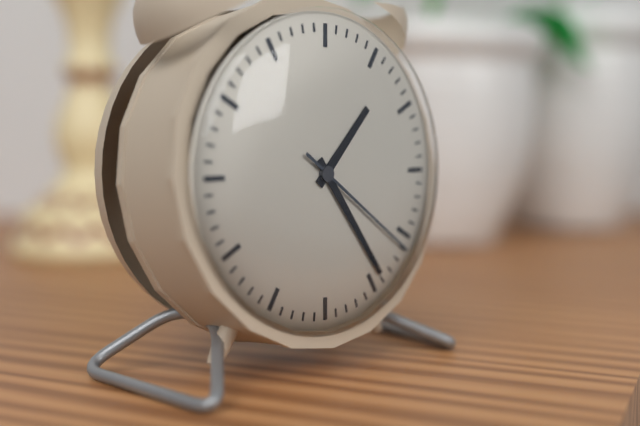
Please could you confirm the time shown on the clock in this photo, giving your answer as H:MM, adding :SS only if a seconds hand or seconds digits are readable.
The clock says 1:24:21
